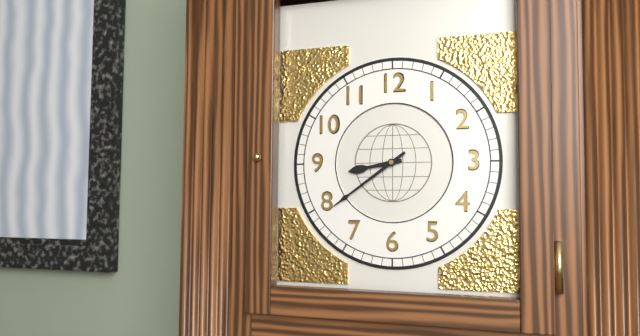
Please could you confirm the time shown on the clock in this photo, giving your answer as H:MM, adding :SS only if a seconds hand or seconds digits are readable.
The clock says 8:39
